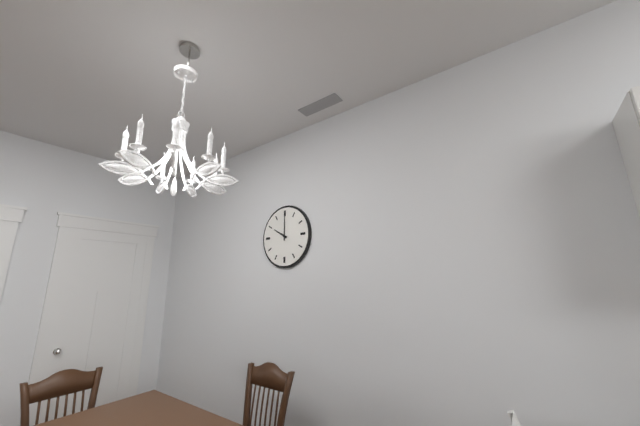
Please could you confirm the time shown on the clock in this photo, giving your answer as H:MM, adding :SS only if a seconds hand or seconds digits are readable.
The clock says 10:00
